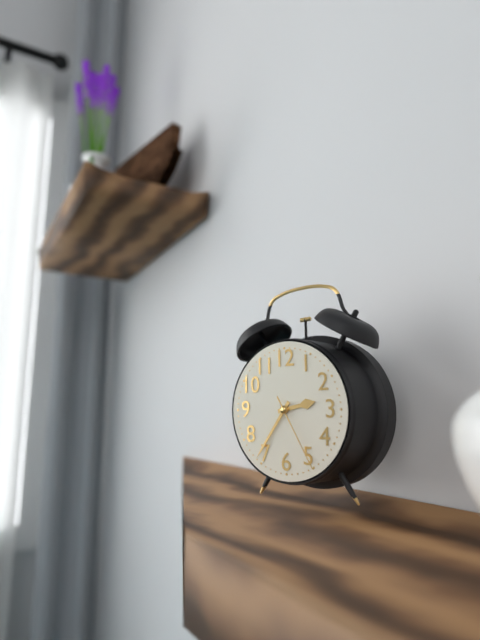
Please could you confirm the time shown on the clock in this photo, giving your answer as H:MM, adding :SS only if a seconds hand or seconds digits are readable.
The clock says 2:36:25
